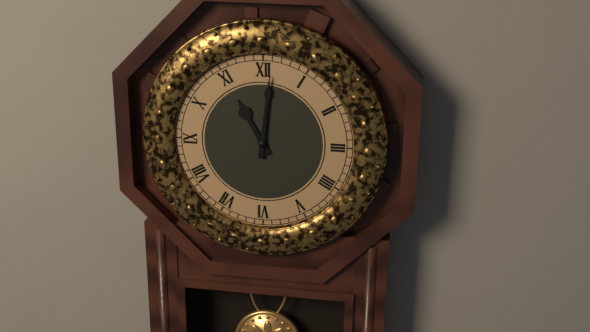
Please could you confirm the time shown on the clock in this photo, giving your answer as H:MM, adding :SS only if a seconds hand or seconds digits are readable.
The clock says 11:01
